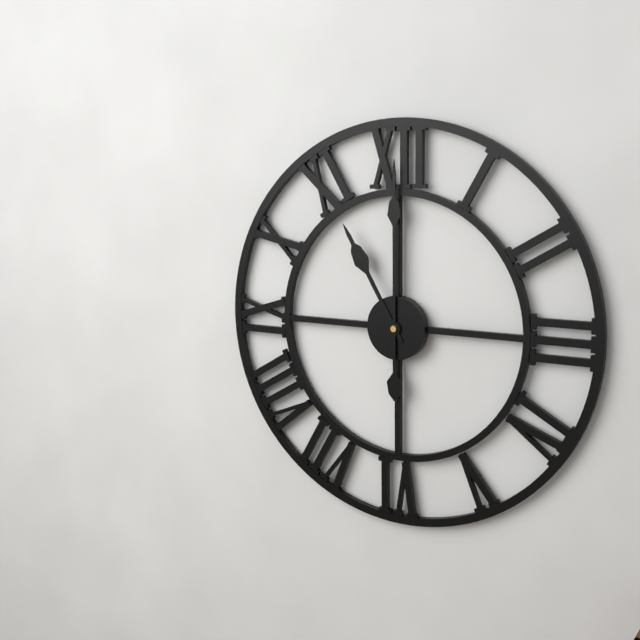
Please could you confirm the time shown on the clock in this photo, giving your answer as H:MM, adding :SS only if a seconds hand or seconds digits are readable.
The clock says 11:00
